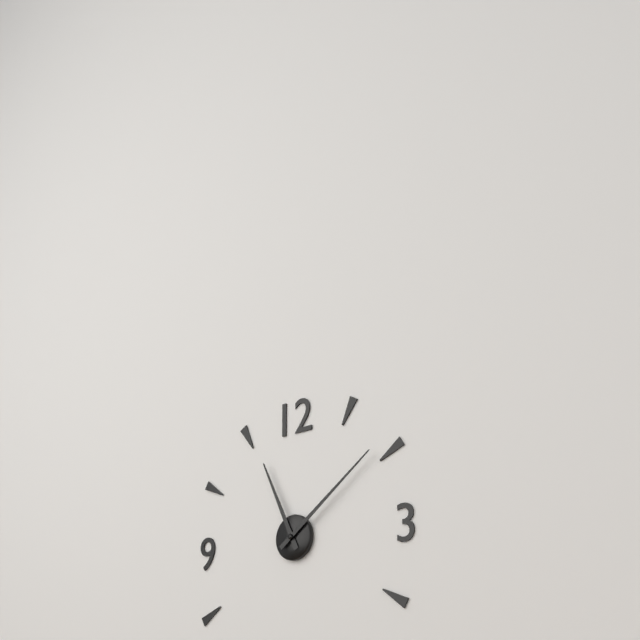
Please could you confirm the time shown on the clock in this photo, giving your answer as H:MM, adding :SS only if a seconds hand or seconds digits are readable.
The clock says 11:09
